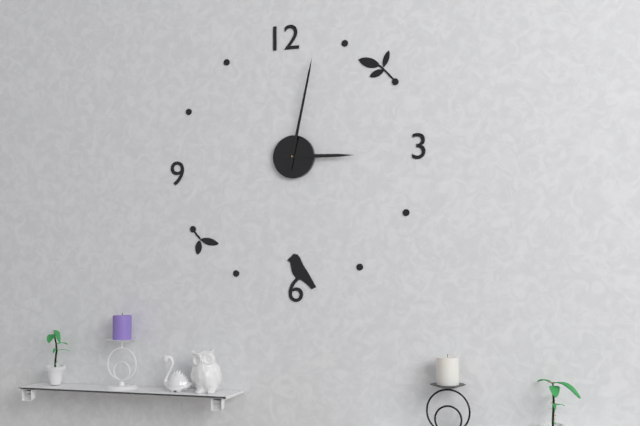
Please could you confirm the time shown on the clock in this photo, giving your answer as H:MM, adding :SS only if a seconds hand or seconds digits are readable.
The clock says 3:02
